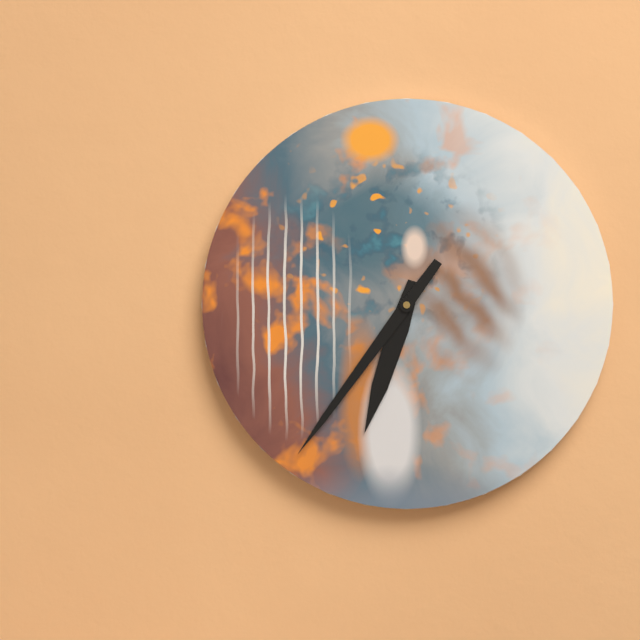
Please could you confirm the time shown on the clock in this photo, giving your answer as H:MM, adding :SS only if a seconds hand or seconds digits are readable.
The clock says 6:36
